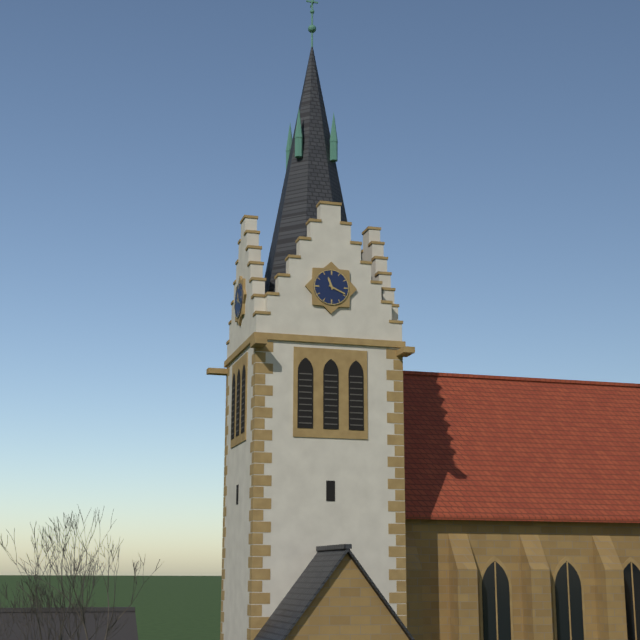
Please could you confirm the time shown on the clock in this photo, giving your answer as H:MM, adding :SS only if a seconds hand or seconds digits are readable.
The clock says 11:19
